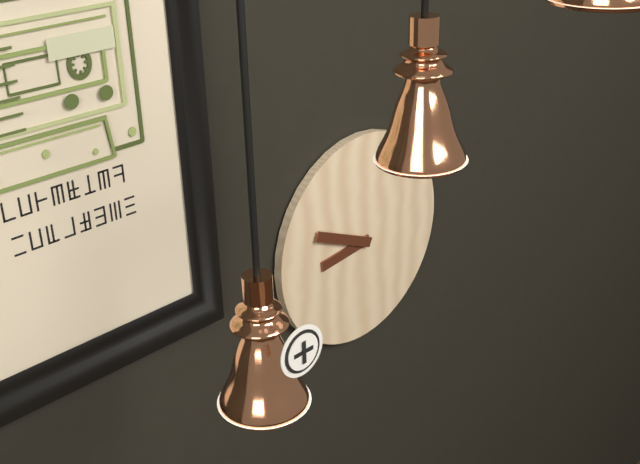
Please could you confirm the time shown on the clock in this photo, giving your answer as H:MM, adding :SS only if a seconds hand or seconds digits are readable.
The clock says 8:49
